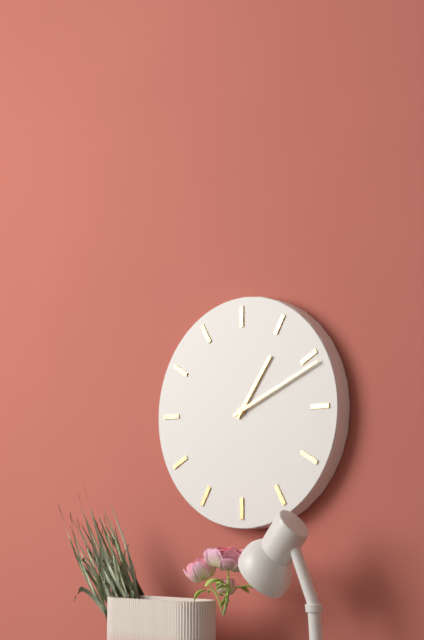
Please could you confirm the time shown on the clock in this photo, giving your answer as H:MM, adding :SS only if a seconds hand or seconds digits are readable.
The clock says 1:11
